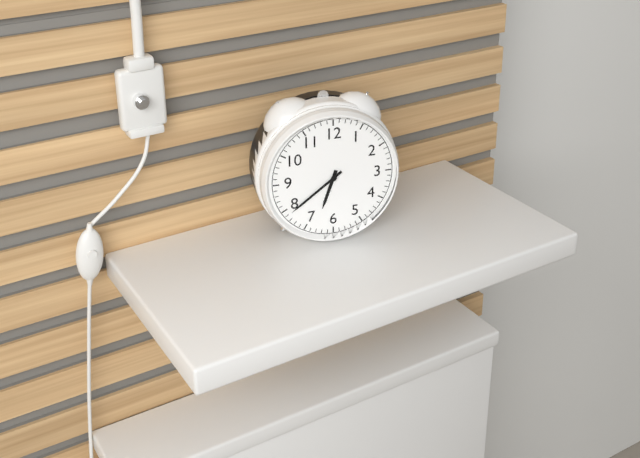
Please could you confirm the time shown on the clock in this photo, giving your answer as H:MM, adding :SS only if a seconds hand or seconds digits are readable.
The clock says 6:39
